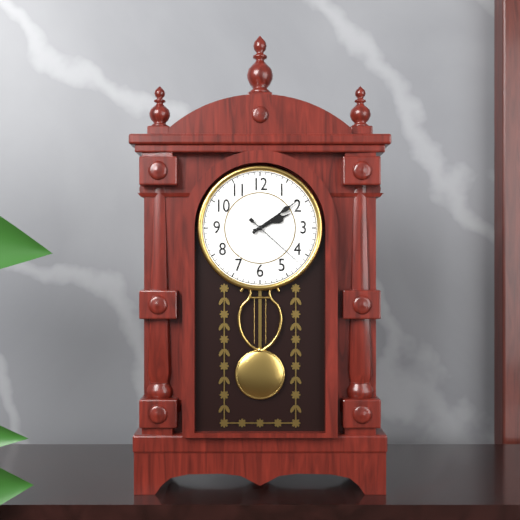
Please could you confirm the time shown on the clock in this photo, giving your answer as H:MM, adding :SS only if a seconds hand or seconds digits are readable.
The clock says 2:09:22
